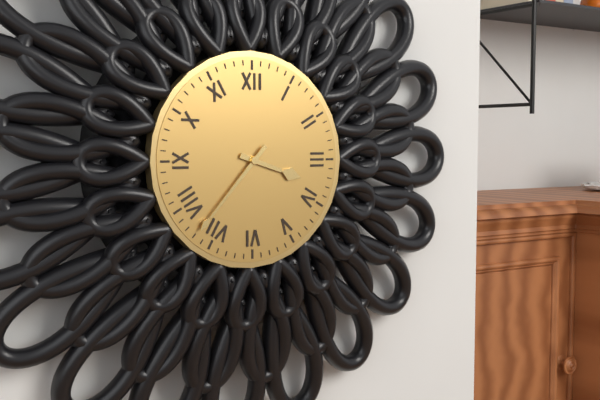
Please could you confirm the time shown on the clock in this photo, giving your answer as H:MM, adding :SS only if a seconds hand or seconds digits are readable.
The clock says 3:37
